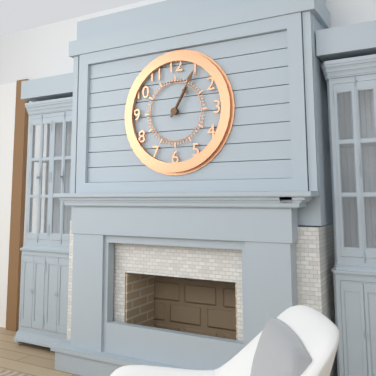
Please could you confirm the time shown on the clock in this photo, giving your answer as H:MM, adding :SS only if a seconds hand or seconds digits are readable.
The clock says 1:05
